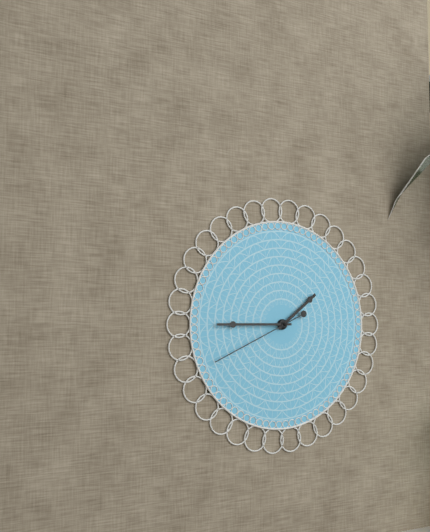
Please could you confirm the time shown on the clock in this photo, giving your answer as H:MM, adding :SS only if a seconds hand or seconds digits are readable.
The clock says 1:45:41
